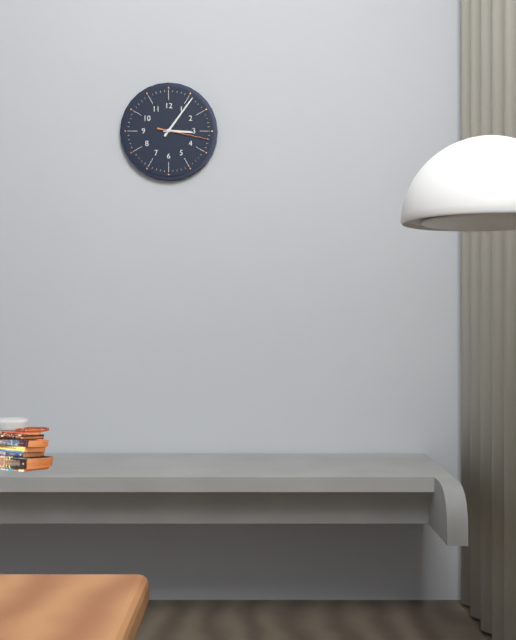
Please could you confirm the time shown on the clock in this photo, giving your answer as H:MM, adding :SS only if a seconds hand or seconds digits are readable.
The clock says 3:06:17
